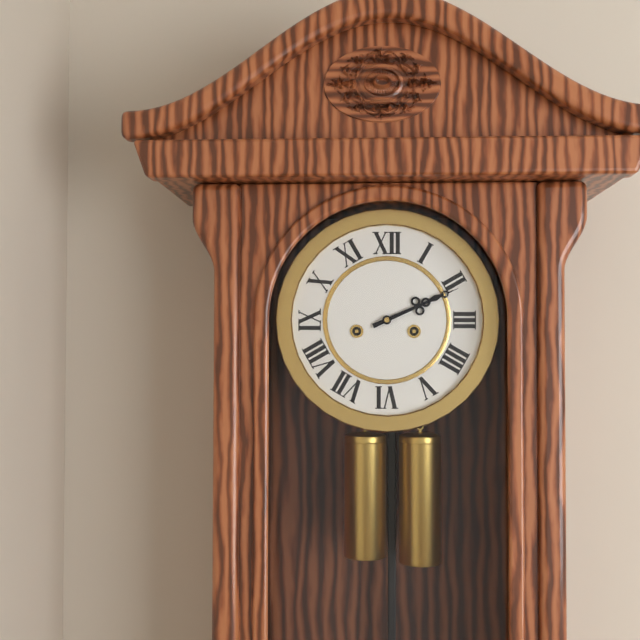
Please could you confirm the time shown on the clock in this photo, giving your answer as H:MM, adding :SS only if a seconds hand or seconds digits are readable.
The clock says 2:11
